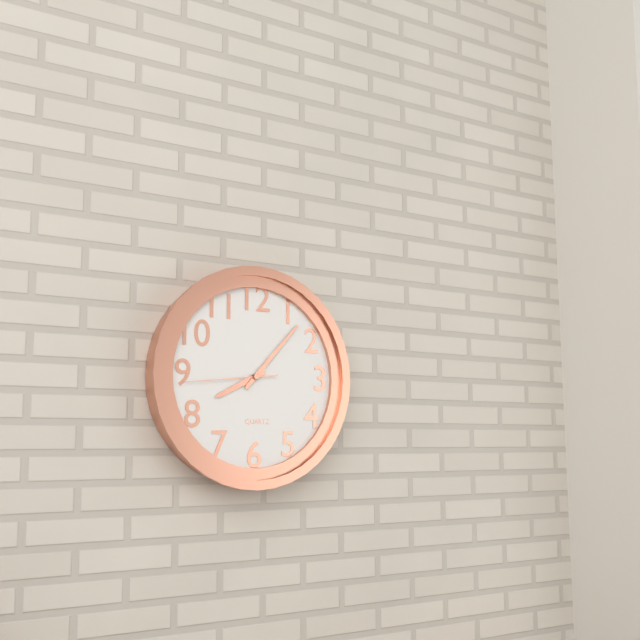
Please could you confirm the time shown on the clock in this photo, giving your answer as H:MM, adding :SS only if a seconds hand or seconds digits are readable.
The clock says 8:07:44
